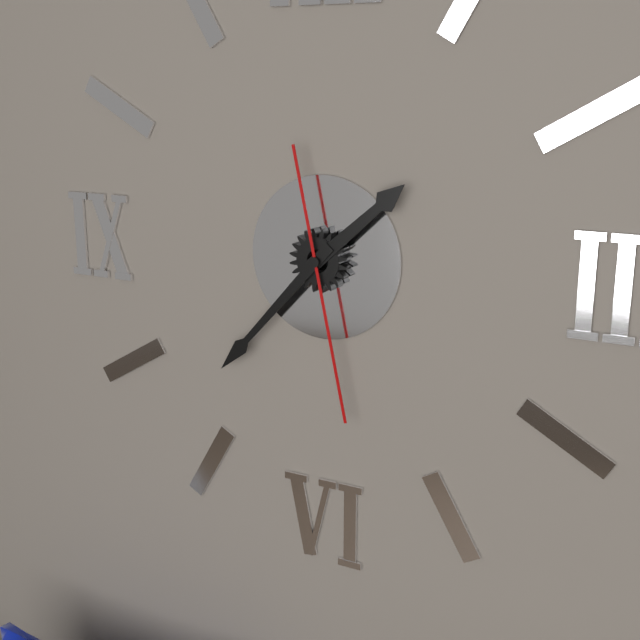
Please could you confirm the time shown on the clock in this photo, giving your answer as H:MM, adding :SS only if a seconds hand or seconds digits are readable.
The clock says 1:37:28
